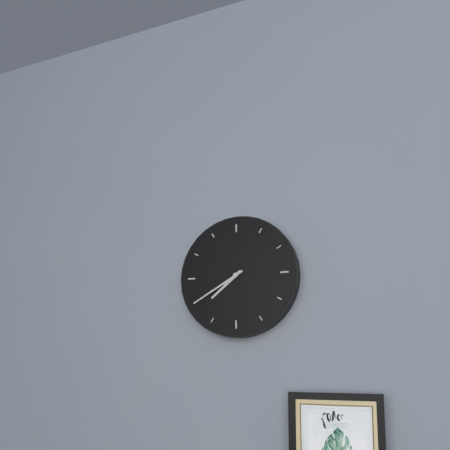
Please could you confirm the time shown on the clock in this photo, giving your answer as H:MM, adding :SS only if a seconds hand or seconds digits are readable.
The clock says 7:40
